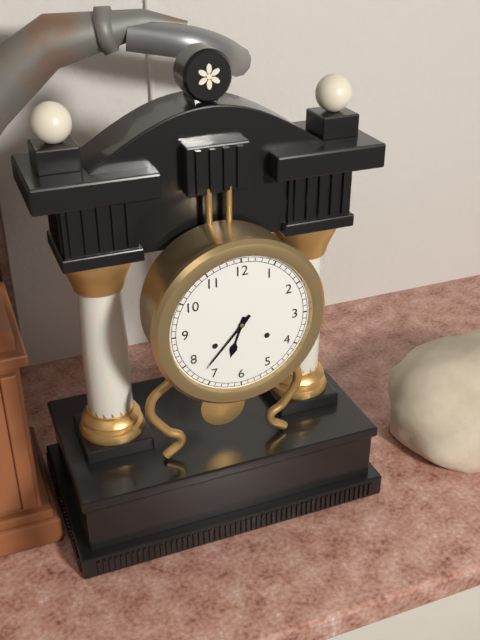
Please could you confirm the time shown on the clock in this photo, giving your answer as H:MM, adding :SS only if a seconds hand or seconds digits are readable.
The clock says 6:37
